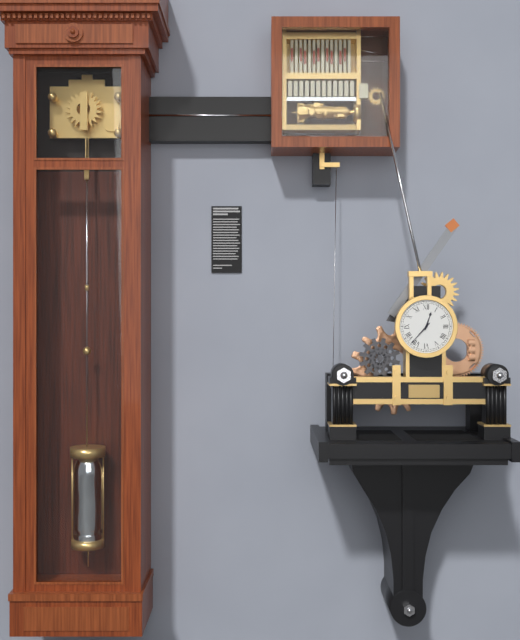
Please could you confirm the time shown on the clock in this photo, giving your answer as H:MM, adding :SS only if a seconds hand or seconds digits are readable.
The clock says 12:37
